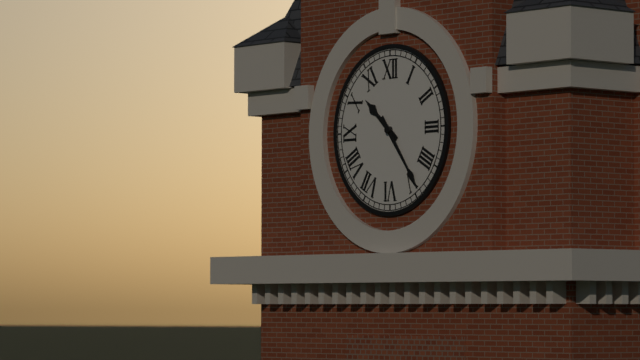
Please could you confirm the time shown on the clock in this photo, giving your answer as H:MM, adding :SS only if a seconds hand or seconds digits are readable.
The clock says 10:24
